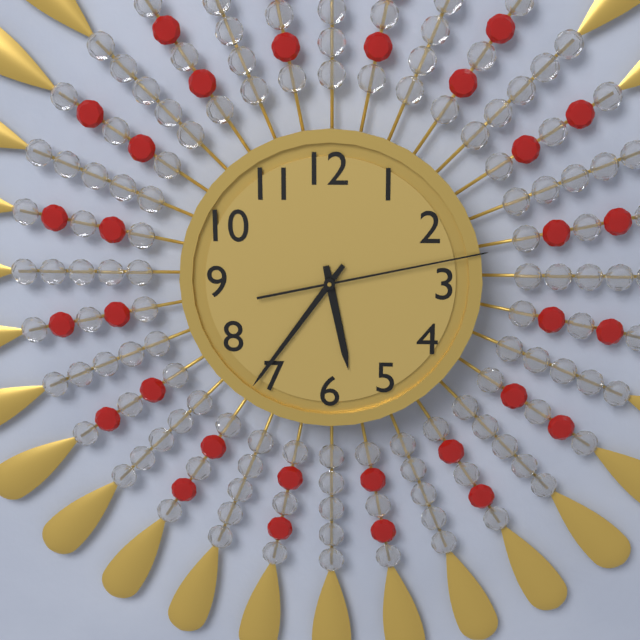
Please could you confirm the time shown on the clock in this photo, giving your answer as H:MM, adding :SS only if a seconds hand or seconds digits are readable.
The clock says 5:36:13
